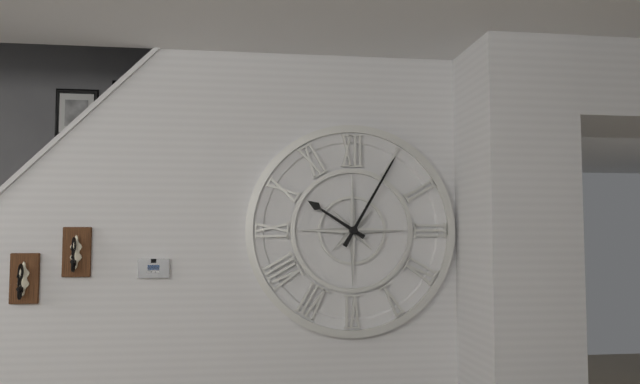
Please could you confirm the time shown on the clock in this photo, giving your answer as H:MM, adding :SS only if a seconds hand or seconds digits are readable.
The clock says 10:05
